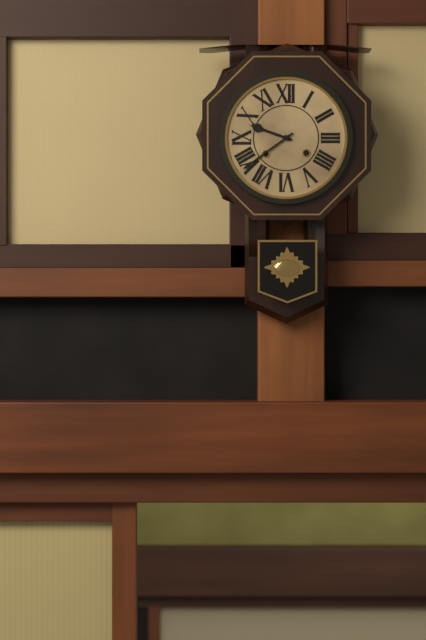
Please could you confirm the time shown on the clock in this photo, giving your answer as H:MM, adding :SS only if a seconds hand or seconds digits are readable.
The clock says 9:39
